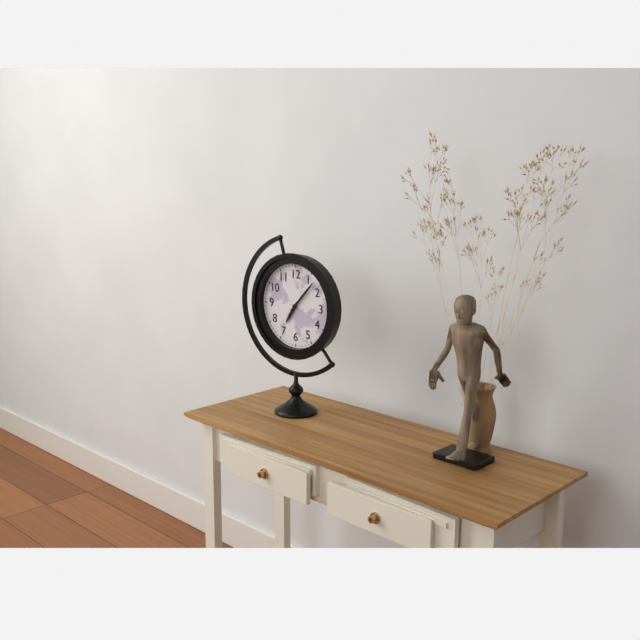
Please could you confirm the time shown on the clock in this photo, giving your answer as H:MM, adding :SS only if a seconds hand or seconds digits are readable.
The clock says 7:07
